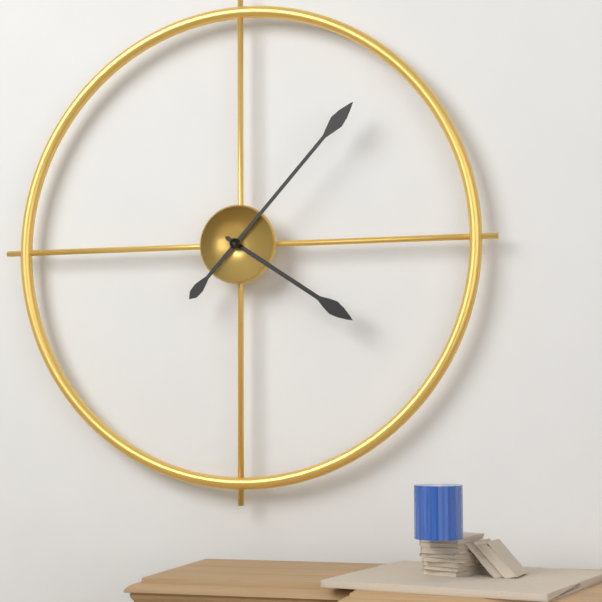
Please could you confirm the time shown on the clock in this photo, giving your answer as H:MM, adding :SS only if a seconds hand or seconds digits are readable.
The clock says 4:07
